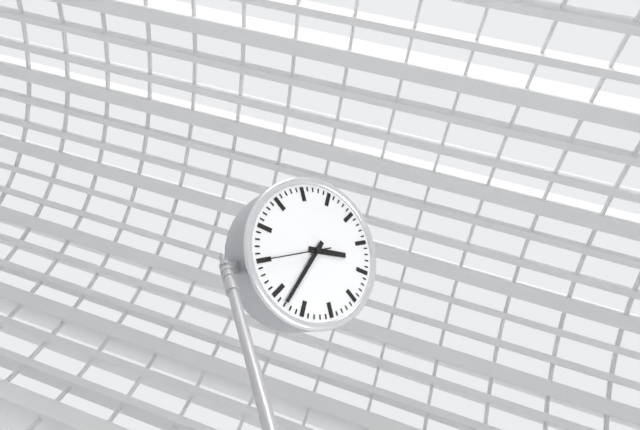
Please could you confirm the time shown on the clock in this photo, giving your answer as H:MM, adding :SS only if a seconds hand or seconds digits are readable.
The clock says 2:33:40
